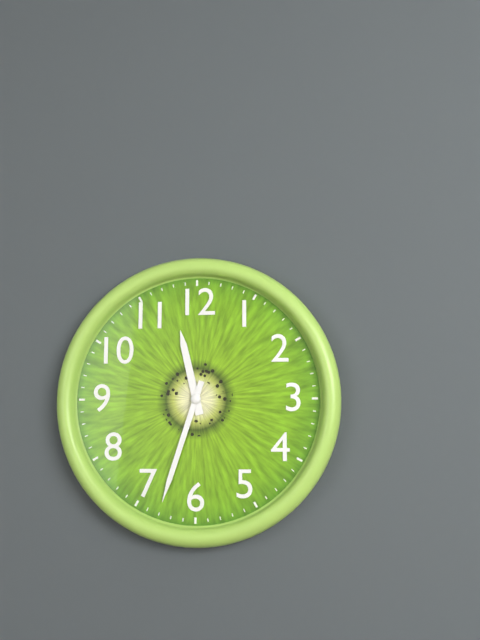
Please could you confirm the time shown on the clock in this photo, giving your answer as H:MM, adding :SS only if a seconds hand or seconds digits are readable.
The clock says 11:33
